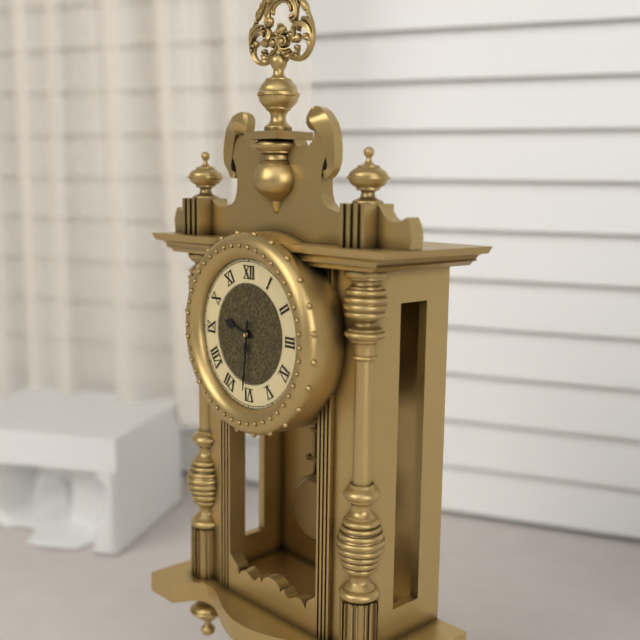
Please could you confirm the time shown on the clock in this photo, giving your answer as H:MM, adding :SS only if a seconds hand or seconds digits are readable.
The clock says 9:31
